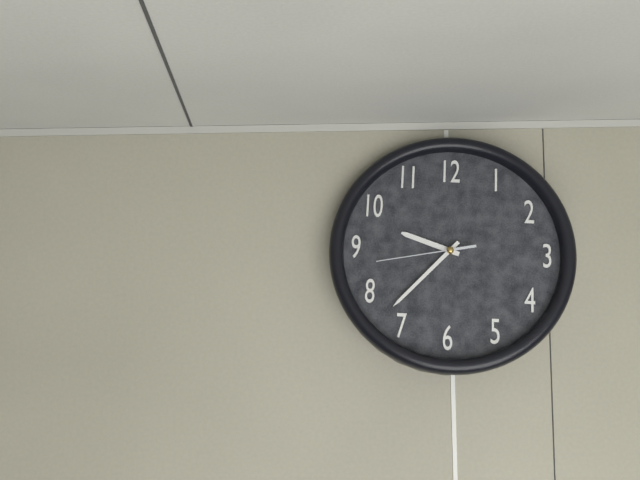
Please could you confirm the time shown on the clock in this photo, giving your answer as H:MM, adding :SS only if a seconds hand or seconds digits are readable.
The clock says 9:37:43
